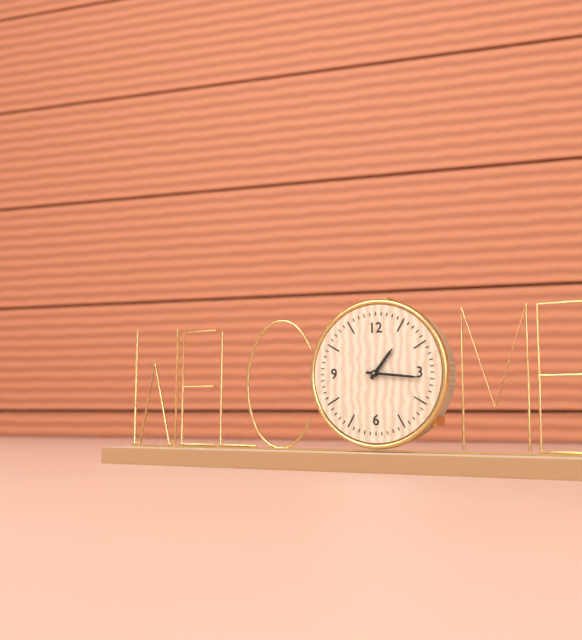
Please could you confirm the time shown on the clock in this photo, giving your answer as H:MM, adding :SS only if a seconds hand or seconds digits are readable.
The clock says 1:16
